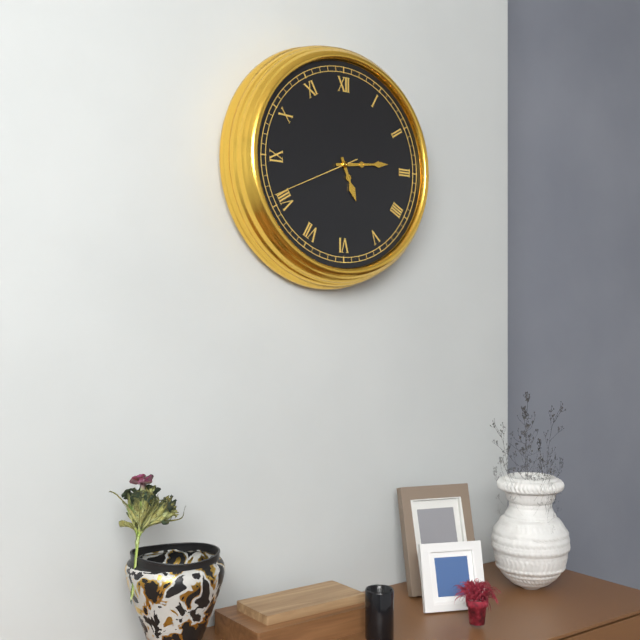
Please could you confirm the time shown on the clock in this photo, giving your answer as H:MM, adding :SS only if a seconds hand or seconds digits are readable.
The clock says 5:14:41
